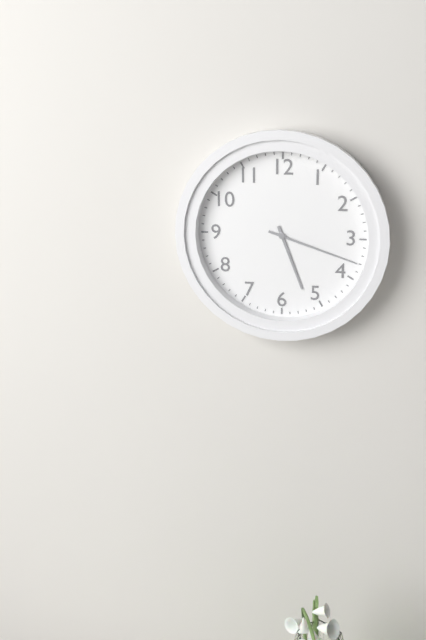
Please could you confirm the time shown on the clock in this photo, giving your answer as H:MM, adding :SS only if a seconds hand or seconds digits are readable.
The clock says 5:18
